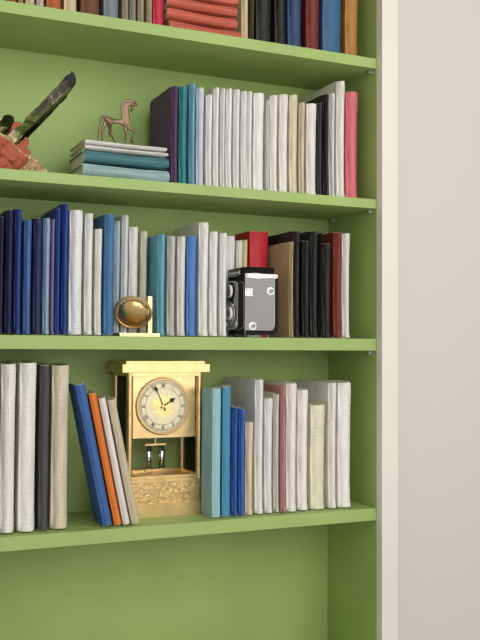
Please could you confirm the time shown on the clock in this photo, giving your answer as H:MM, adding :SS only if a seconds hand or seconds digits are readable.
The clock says 1:56
